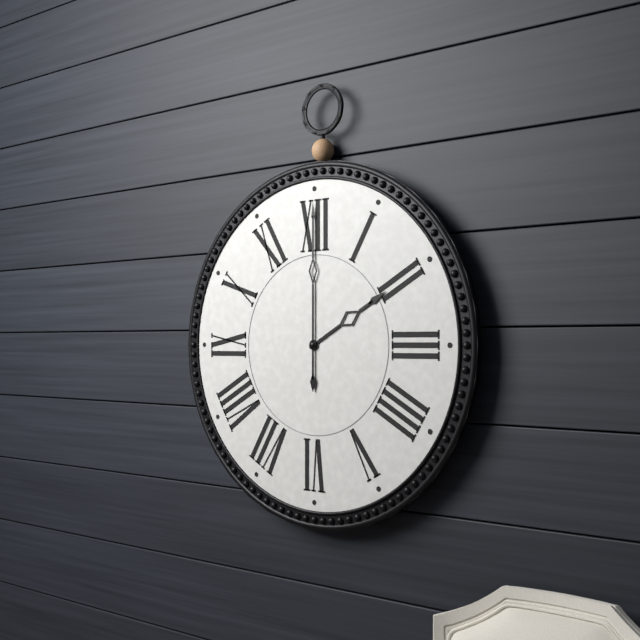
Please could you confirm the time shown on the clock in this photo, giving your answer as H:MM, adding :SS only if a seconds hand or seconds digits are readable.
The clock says 2:00
